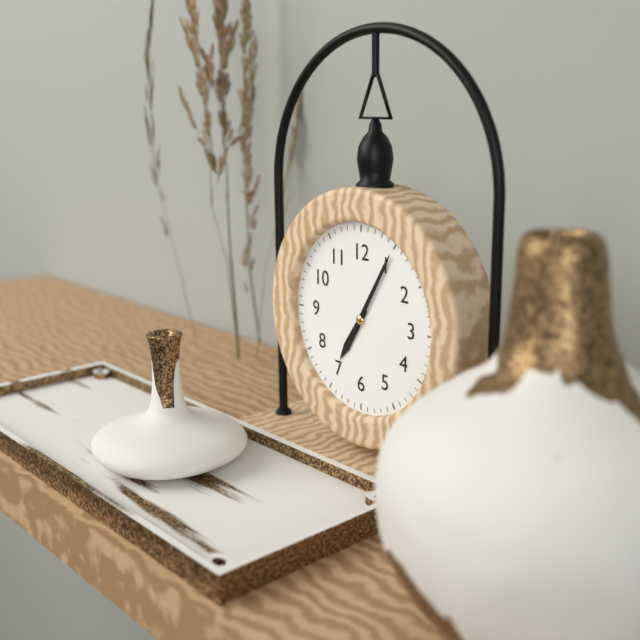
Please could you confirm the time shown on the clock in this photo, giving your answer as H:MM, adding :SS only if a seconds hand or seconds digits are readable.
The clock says 7:05
